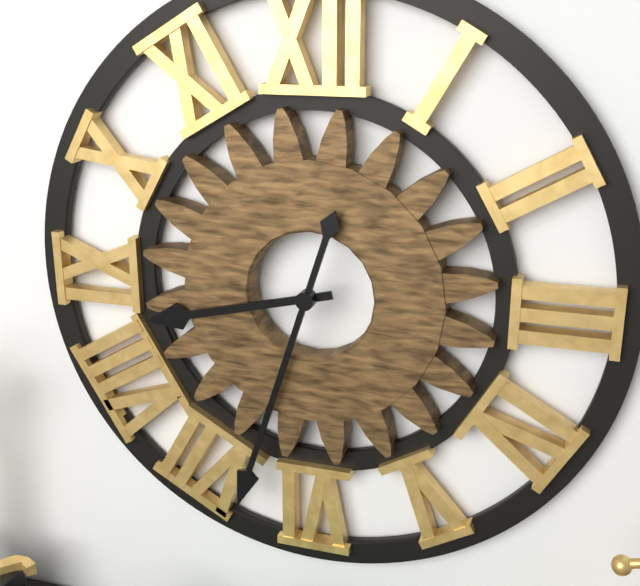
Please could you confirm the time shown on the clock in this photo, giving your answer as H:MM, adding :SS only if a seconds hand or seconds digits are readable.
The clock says 8:33
